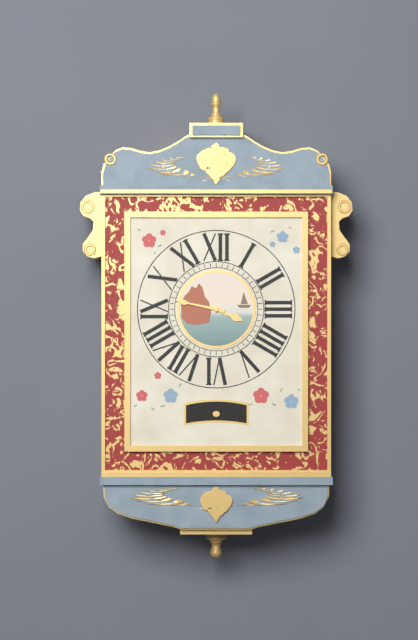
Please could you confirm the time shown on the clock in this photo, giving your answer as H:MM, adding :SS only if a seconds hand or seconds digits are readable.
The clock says 3:47
